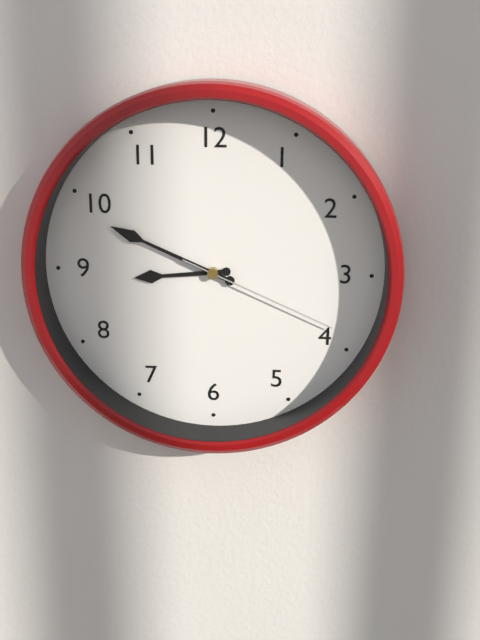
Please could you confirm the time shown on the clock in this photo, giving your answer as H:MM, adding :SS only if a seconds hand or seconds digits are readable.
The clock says 8:49:19
